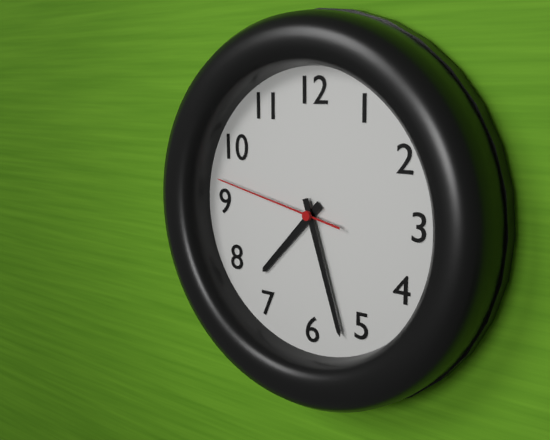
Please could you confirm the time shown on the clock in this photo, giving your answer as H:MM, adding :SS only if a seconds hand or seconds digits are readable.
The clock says 7:27:47
